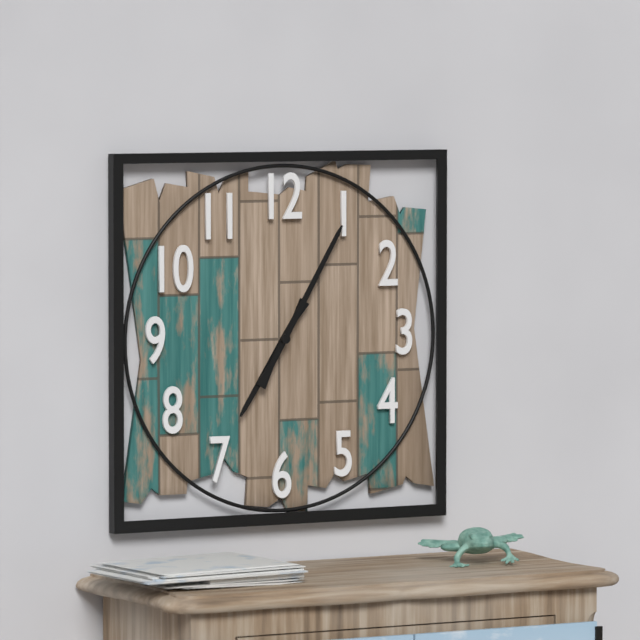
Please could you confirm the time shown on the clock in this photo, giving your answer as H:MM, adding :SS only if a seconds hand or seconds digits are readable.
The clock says 7:05
